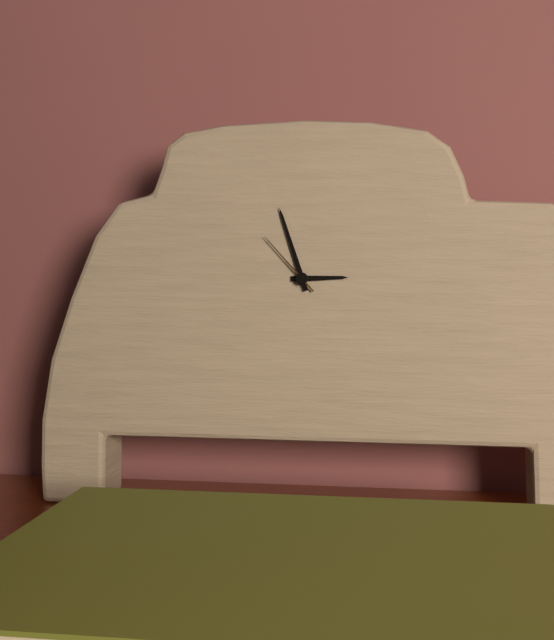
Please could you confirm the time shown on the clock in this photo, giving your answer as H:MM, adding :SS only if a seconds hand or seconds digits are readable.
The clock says 2:57:53
